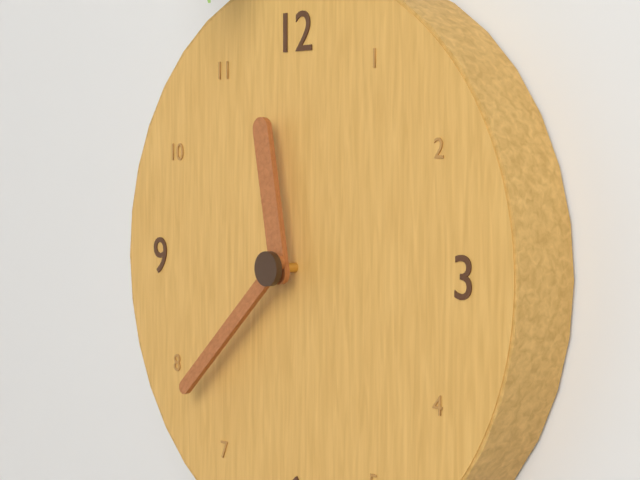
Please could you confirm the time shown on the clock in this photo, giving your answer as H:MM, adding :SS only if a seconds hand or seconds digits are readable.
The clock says 11:38
